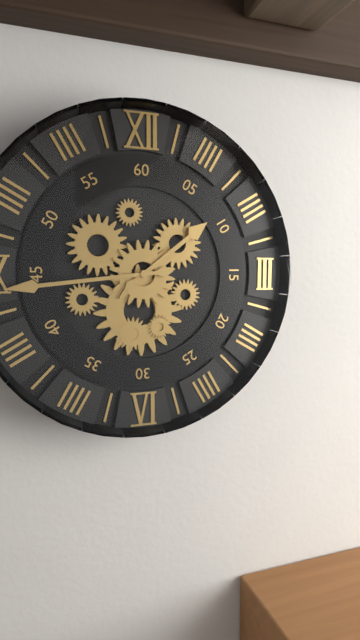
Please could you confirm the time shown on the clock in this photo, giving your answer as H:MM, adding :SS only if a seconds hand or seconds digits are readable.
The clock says 1:44
